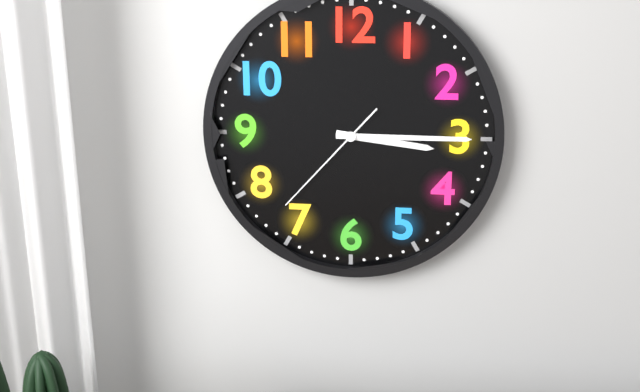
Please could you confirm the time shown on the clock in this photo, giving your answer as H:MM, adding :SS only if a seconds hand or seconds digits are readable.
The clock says 3:15:37
